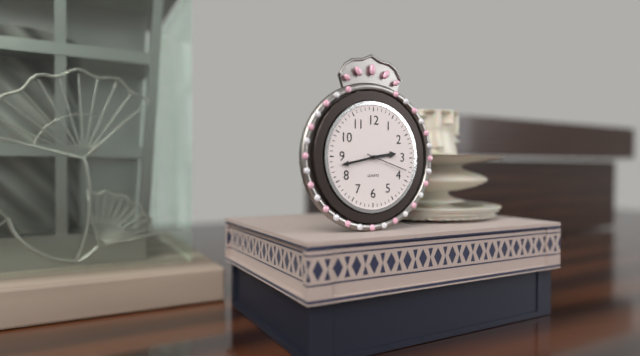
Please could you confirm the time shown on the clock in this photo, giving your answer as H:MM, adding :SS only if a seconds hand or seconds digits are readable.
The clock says 2:43
